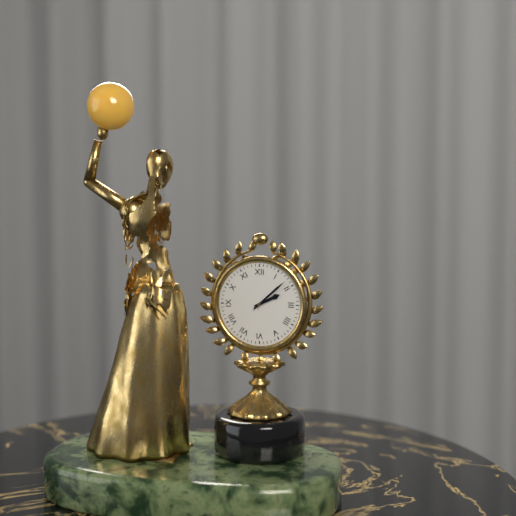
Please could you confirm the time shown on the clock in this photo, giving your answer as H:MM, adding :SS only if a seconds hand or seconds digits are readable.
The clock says 2:08
